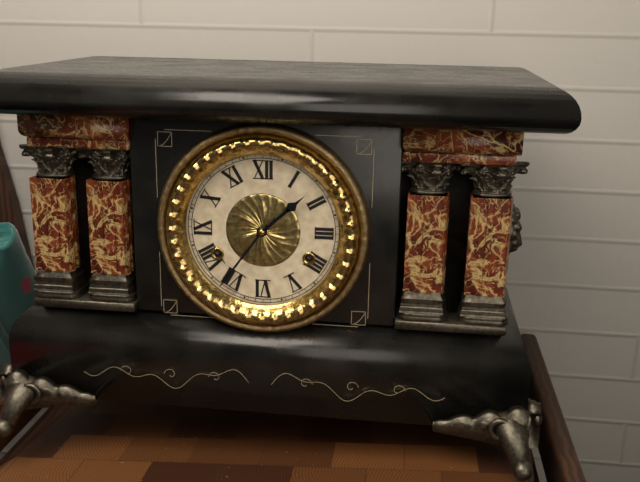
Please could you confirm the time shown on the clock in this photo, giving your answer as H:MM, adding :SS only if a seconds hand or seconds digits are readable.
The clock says 1:36
